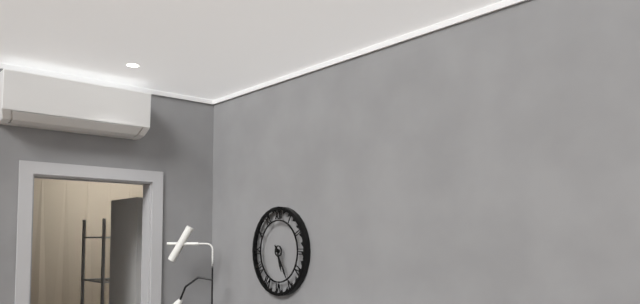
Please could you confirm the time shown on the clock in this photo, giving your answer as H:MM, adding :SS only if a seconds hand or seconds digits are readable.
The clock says 5:25
